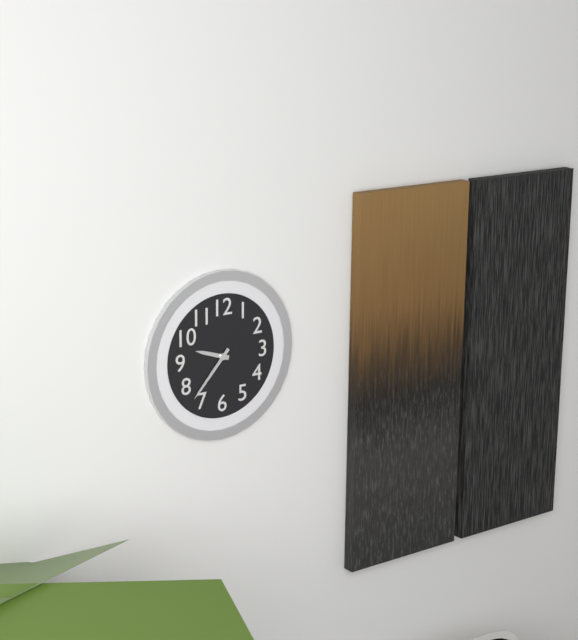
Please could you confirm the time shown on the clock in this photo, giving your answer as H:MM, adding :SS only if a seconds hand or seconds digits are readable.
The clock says 9:37
